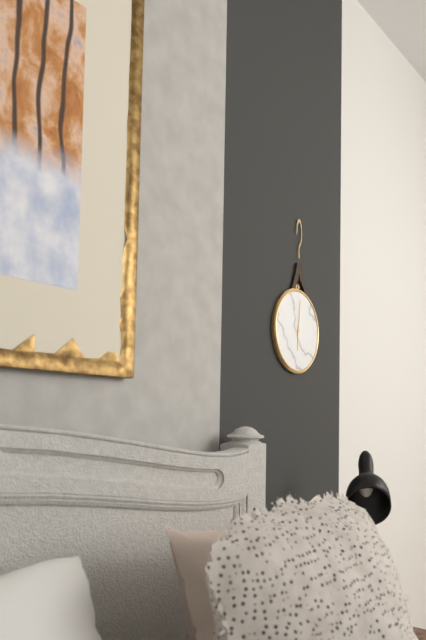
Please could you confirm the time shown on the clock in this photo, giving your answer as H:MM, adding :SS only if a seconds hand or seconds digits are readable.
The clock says 6:01
